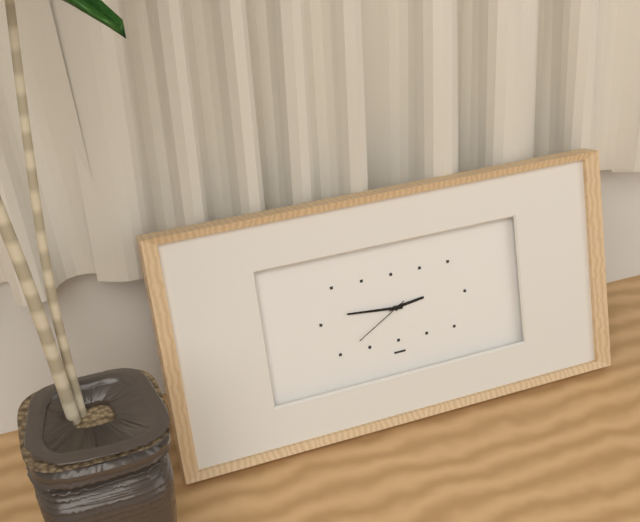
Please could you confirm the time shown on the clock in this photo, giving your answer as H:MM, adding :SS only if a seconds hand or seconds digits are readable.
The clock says 2:46:40
